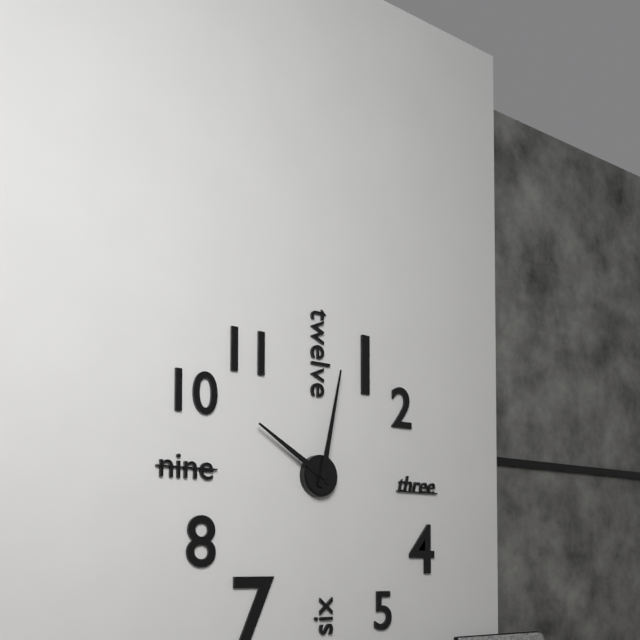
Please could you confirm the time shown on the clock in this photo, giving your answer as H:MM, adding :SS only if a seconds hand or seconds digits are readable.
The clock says 10:02
